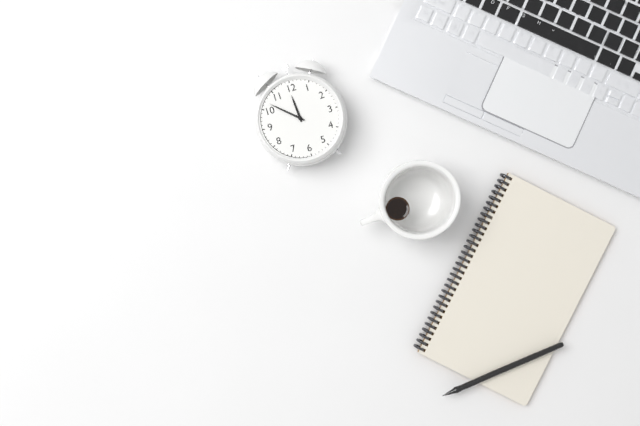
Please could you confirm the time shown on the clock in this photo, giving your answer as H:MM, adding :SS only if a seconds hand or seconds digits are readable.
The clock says 11:52
